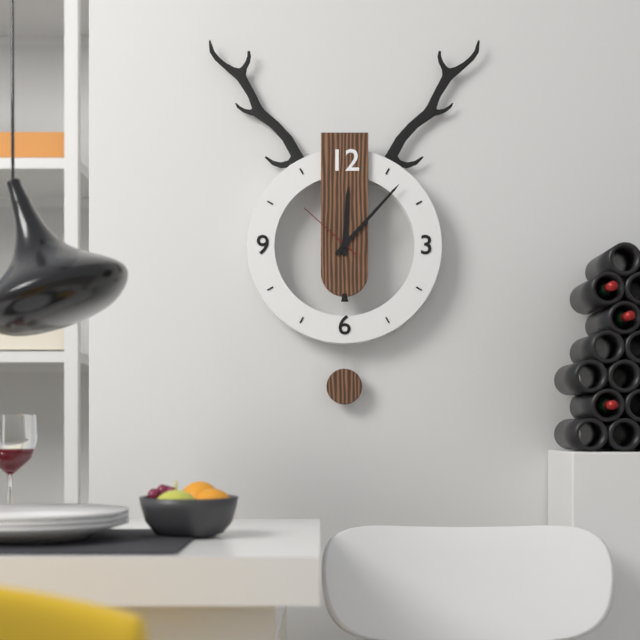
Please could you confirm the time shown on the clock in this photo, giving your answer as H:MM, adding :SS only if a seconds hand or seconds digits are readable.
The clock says 12:07:52
